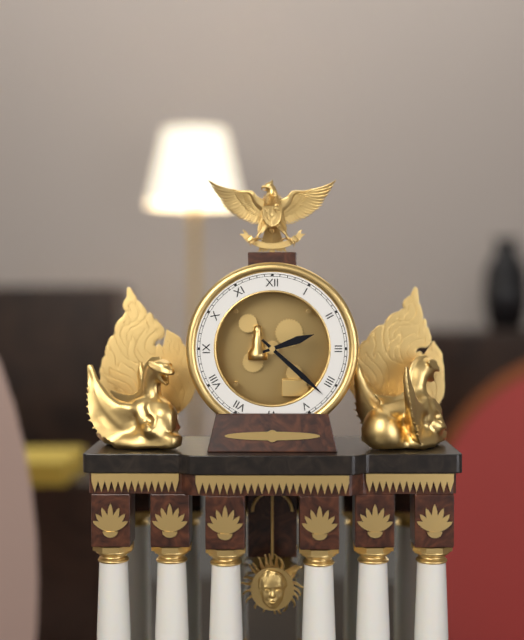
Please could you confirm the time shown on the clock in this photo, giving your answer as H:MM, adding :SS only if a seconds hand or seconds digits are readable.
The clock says 2:22
